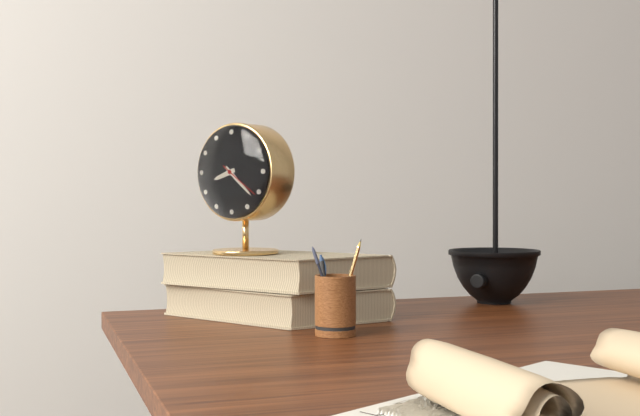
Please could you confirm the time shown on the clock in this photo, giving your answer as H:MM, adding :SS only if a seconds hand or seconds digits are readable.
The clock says 8:22
